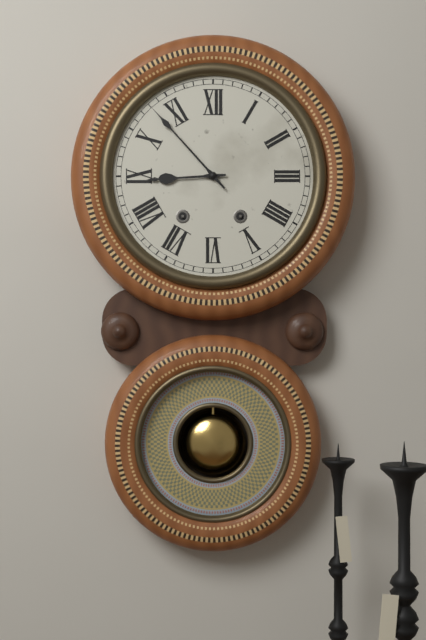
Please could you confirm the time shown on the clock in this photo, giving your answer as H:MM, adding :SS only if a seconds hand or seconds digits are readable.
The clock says 8:53
